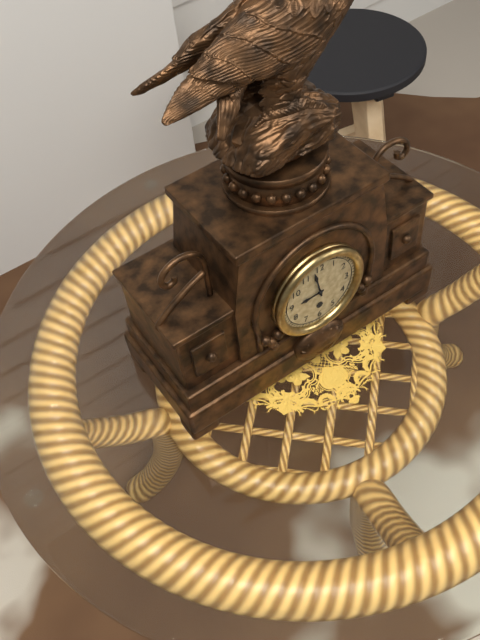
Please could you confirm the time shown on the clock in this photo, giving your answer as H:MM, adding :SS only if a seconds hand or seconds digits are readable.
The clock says 8:58
